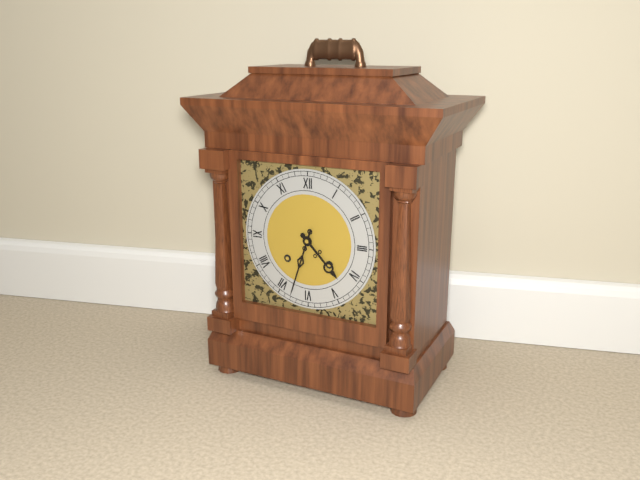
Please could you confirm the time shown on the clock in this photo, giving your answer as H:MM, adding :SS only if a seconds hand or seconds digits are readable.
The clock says 4:33
